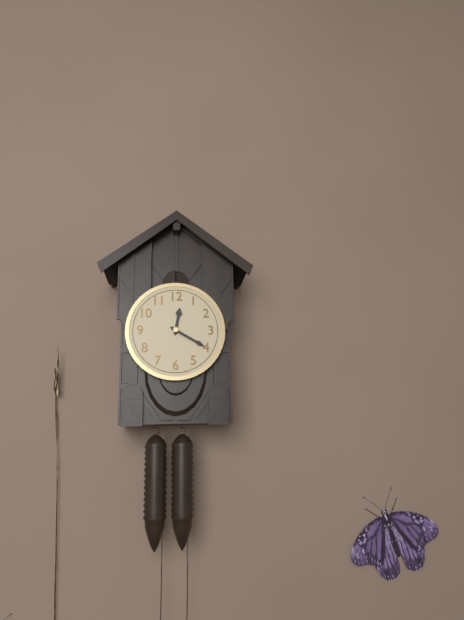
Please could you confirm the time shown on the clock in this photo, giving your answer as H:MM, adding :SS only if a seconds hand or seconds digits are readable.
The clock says 12:20
